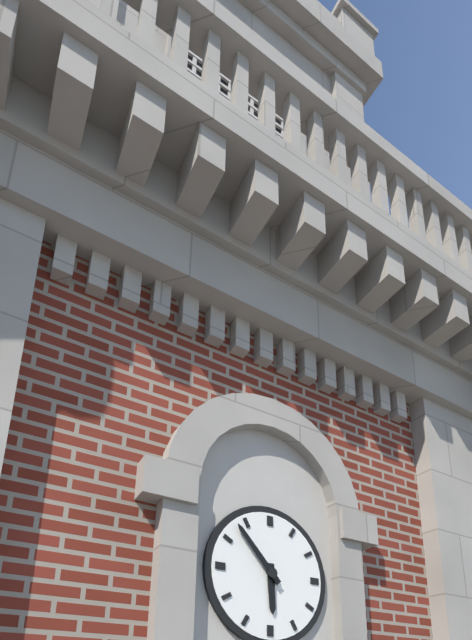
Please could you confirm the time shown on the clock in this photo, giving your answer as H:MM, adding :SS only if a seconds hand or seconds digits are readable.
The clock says 5:53
